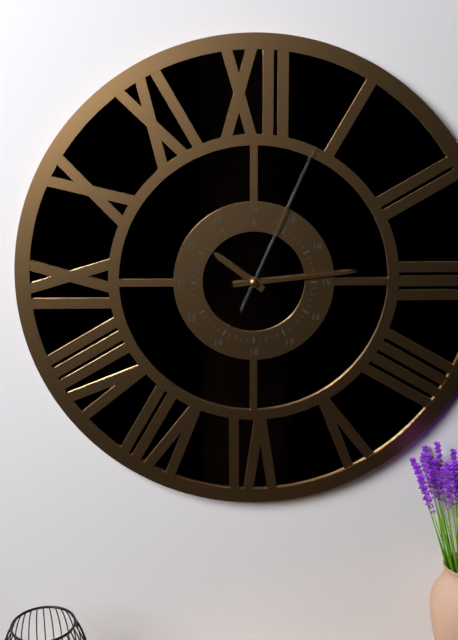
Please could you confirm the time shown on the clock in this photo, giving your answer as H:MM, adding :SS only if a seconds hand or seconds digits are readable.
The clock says 10:14:04
